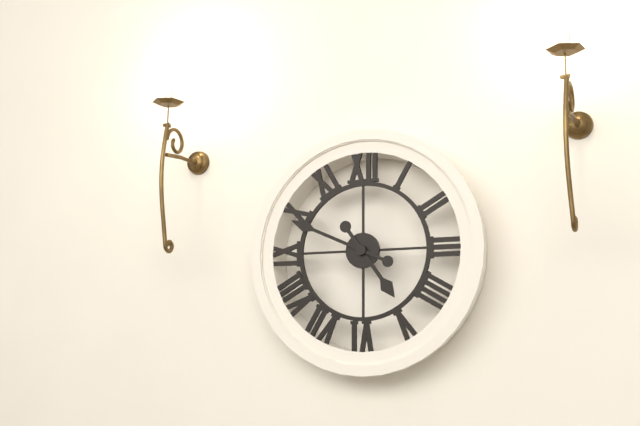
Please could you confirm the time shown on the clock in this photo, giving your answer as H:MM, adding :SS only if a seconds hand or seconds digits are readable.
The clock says 4:49
